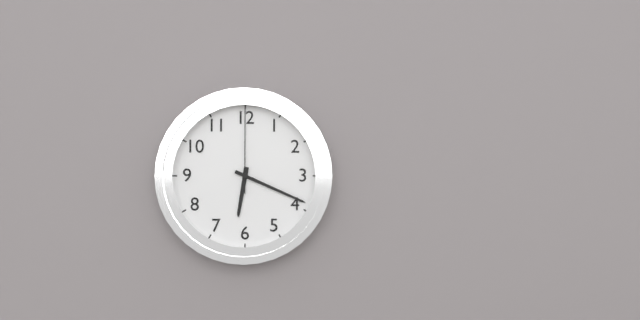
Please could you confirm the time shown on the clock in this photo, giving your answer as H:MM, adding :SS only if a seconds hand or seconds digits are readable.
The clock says 6:19:00
